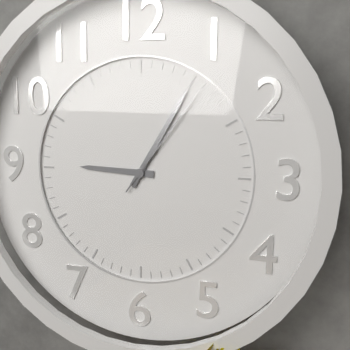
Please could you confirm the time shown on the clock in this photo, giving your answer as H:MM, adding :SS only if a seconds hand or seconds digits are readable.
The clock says 9:05:06
